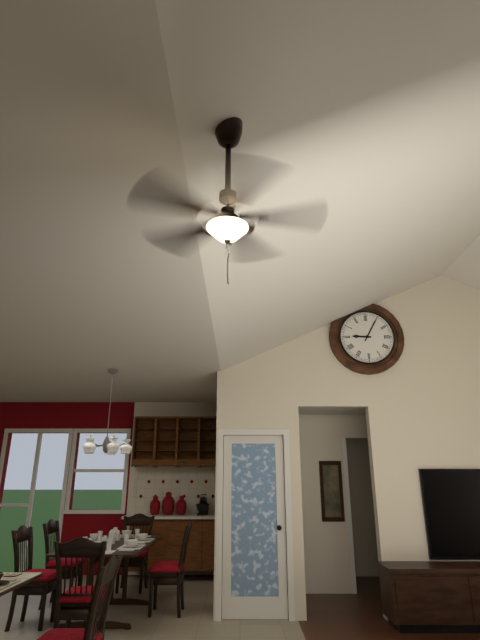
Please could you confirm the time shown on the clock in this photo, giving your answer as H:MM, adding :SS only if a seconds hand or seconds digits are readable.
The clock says 9:05
